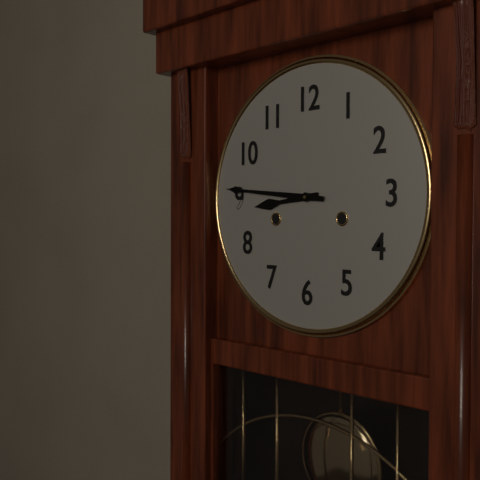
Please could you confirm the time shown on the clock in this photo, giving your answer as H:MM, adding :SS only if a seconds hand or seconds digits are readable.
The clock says 8:46
